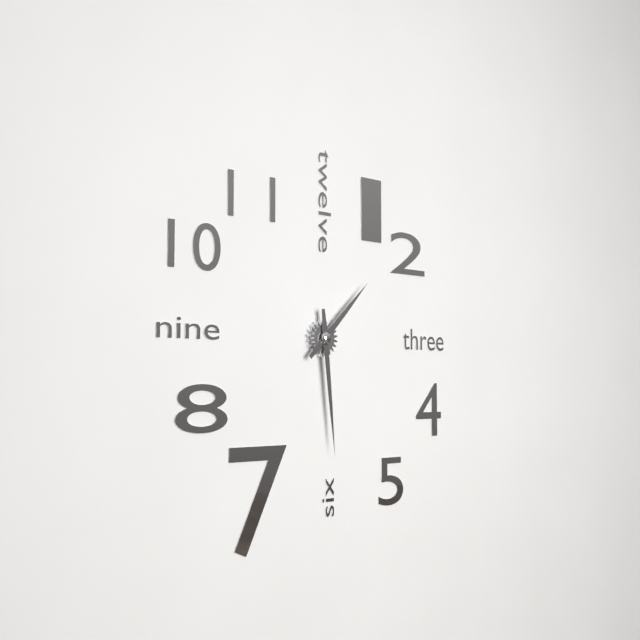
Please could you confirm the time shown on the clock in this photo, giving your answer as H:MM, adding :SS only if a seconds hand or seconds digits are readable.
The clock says 1:29
